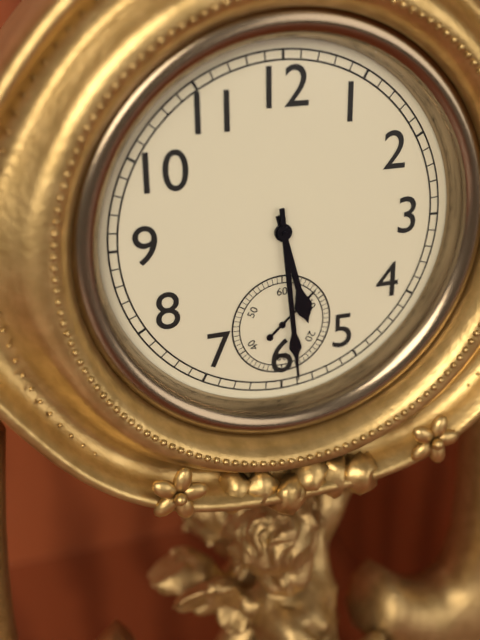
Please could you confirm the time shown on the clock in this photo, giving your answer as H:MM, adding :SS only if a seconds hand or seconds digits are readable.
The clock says 5:29:08
